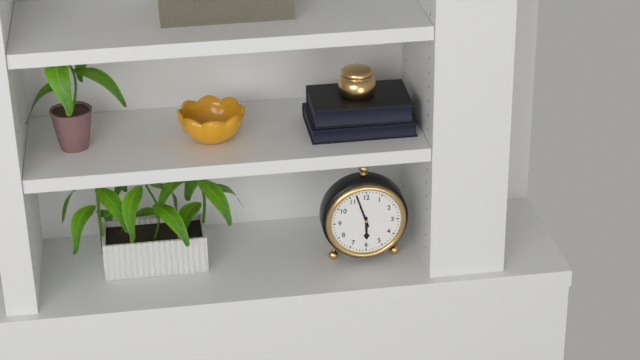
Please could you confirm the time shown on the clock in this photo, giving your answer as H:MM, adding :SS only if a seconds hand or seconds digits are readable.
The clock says 5:57
